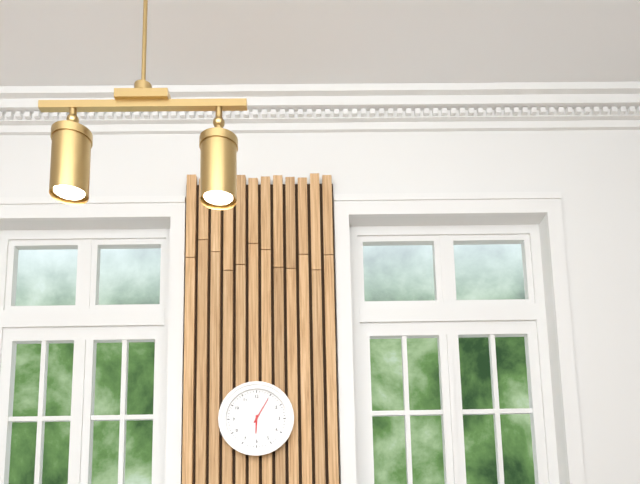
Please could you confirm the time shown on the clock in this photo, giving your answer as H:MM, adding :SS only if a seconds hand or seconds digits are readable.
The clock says 6:05
